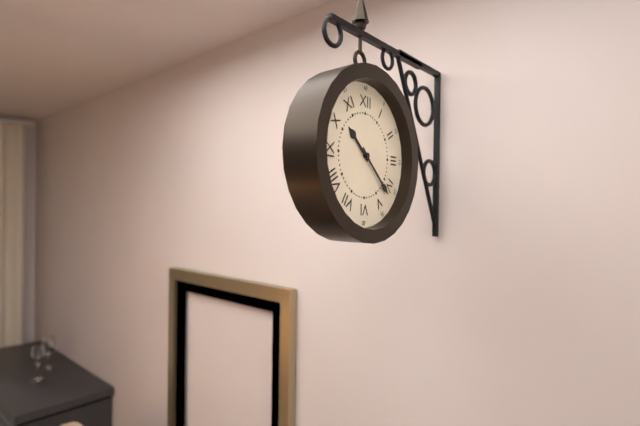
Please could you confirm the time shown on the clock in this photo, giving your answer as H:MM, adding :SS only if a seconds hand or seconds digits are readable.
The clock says 10:22
